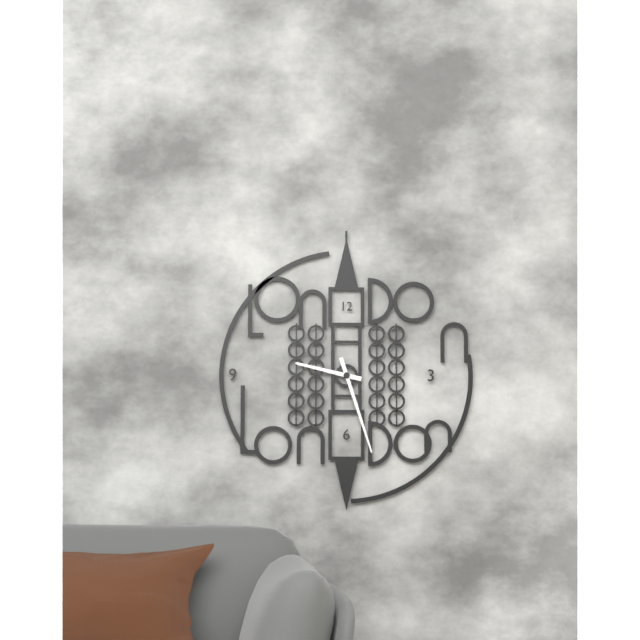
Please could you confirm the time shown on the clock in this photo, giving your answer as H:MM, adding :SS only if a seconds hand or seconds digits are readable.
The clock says 9:27
